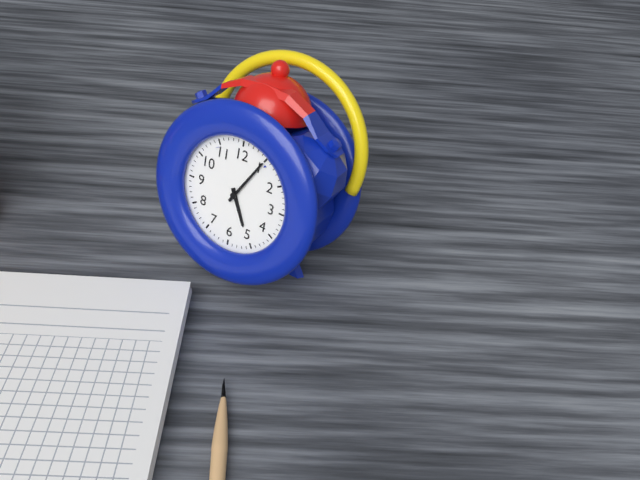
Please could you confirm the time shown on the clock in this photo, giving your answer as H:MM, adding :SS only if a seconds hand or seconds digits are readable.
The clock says 5:05
